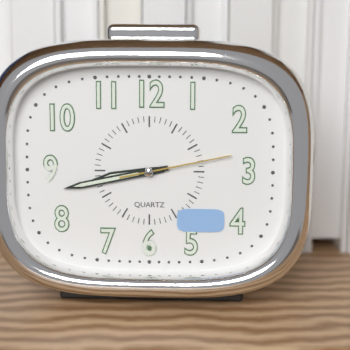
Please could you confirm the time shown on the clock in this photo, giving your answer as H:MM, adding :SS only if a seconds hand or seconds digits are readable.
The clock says 8:43:13
